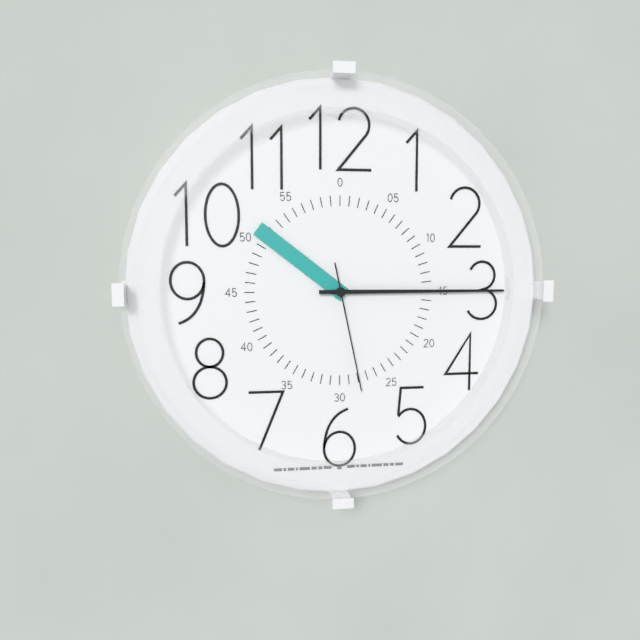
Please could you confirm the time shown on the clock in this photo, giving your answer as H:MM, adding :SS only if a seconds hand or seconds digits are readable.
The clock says 10:15:28
